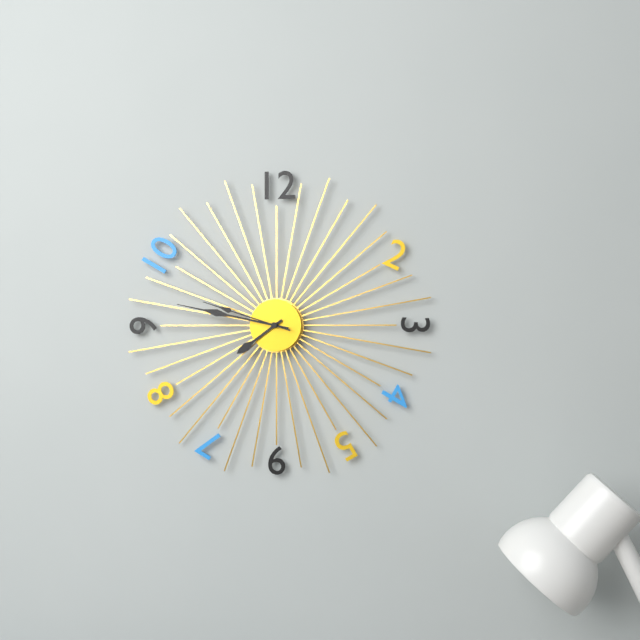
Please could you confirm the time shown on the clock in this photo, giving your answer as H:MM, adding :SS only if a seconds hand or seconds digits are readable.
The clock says 7:47:48
